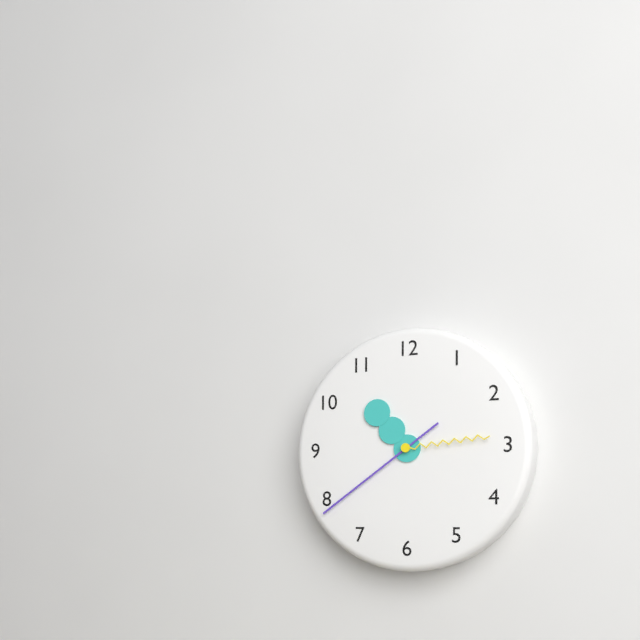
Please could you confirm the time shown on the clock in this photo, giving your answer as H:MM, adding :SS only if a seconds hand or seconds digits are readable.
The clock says 10:39:14
